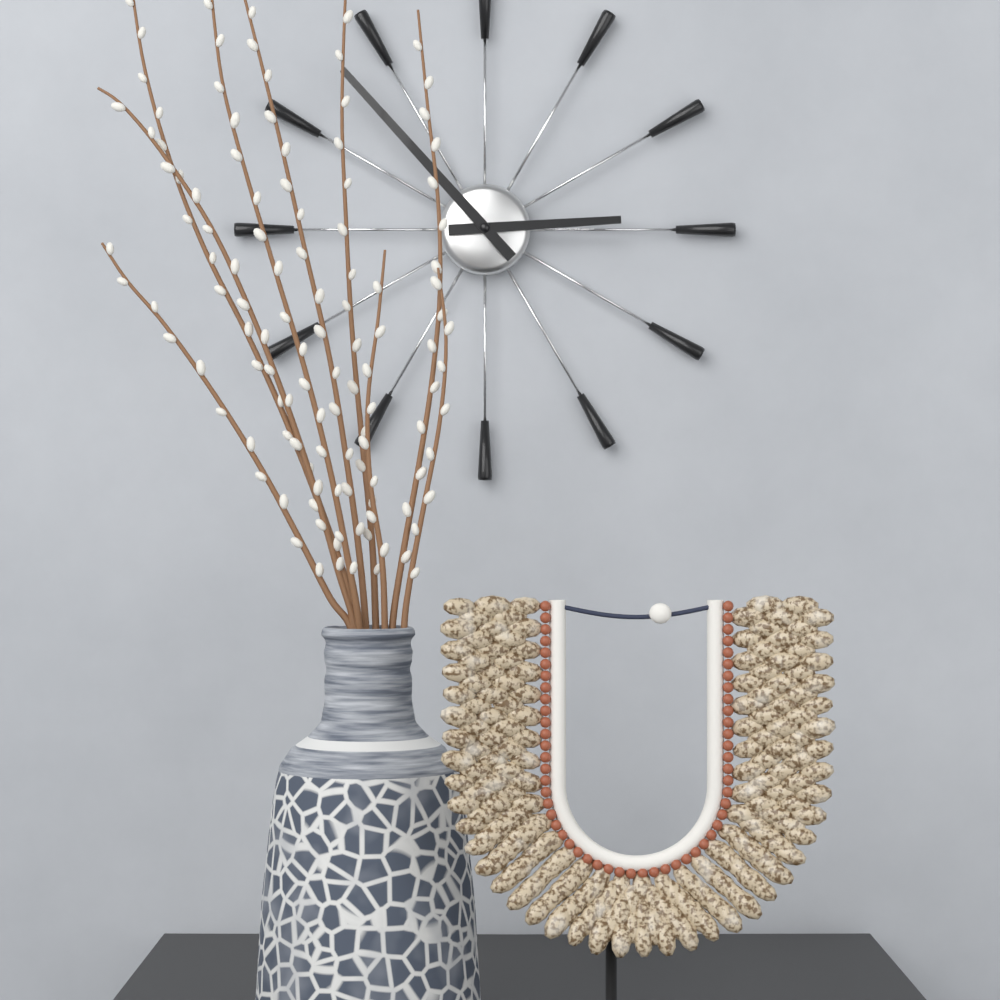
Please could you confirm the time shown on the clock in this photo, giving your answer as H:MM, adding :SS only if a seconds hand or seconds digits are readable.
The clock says 2:53
